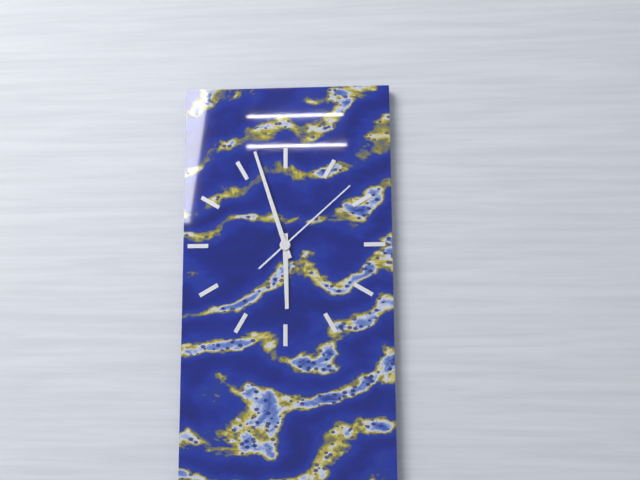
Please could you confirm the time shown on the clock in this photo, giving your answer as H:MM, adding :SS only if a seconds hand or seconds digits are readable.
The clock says 5:57:08
